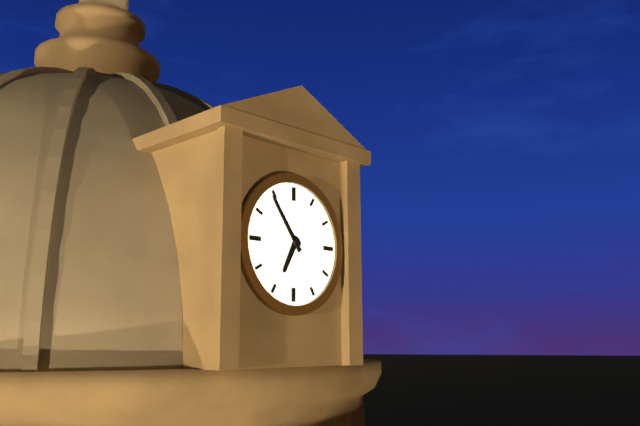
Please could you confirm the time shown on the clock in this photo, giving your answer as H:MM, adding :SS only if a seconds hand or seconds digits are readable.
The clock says 6:54
